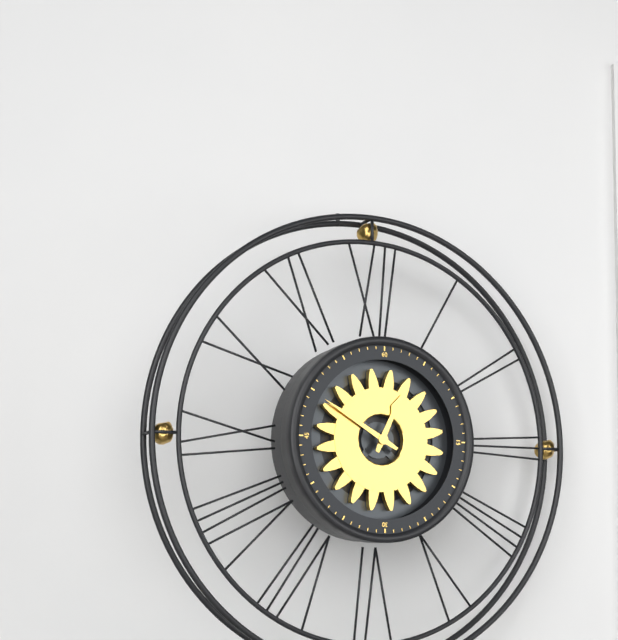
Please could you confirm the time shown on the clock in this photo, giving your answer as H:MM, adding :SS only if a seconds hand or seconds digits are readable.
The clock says 12:50
